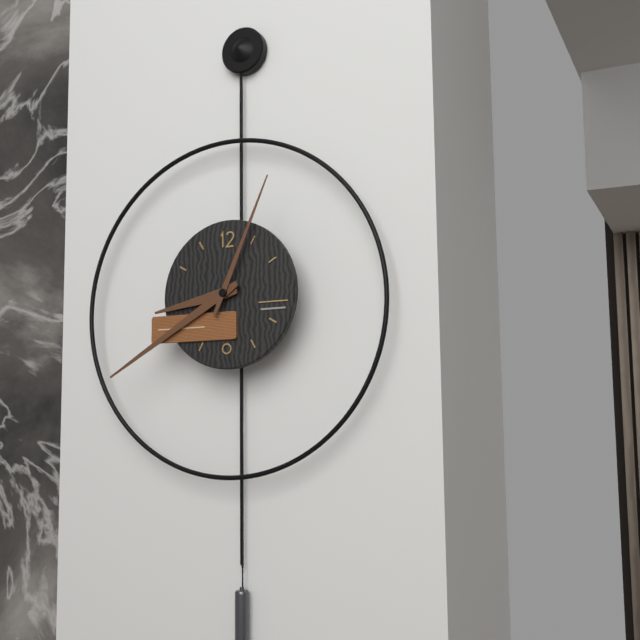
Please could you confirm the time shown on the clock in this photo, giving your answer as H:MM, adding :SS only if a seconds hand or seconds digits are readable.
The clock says 8:40:04
